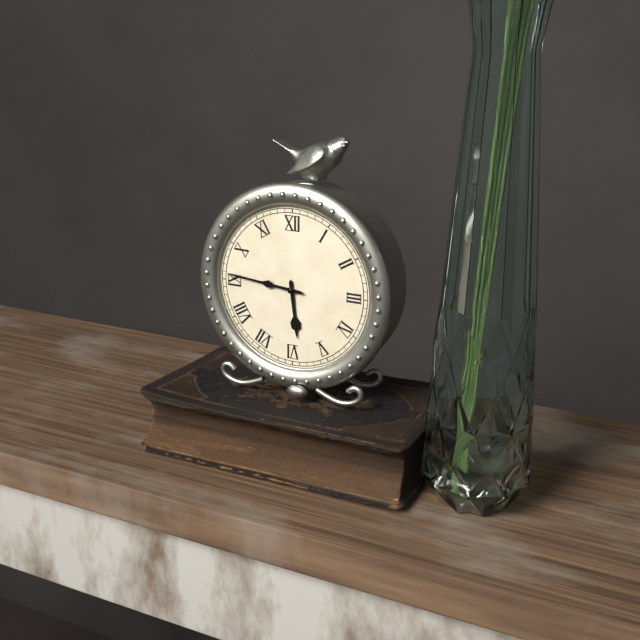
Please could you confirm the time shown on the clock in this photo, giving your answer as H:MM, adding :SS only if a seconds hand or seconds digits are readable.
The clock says 5:46
